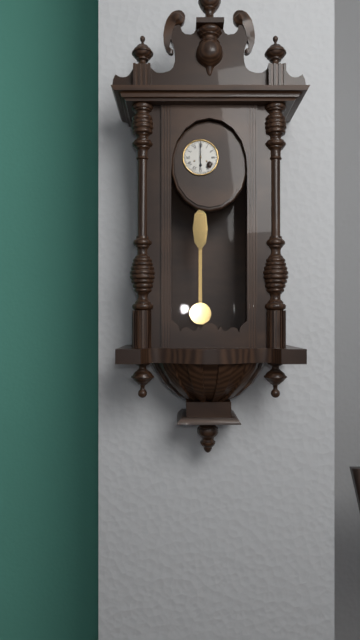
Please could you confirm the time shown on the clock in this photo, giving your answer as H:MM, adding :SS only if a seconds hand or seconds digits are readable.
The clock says 6:00
